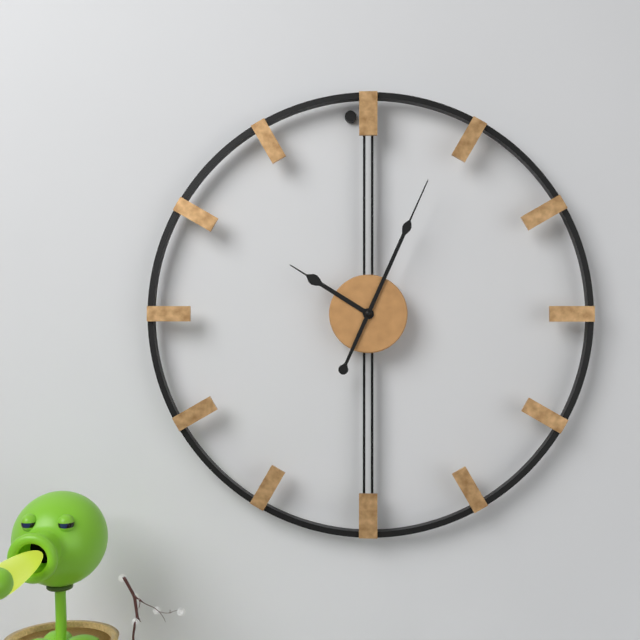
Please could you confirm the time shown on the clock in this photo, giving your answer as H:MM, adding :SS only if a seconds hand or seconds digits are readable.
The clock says 10:04
